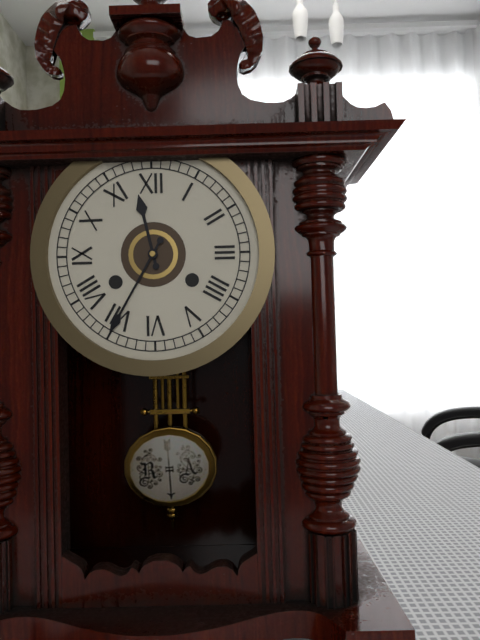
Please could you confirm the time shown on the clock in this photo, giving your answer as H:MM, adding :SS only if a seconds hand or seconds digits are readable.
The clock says 11:35
